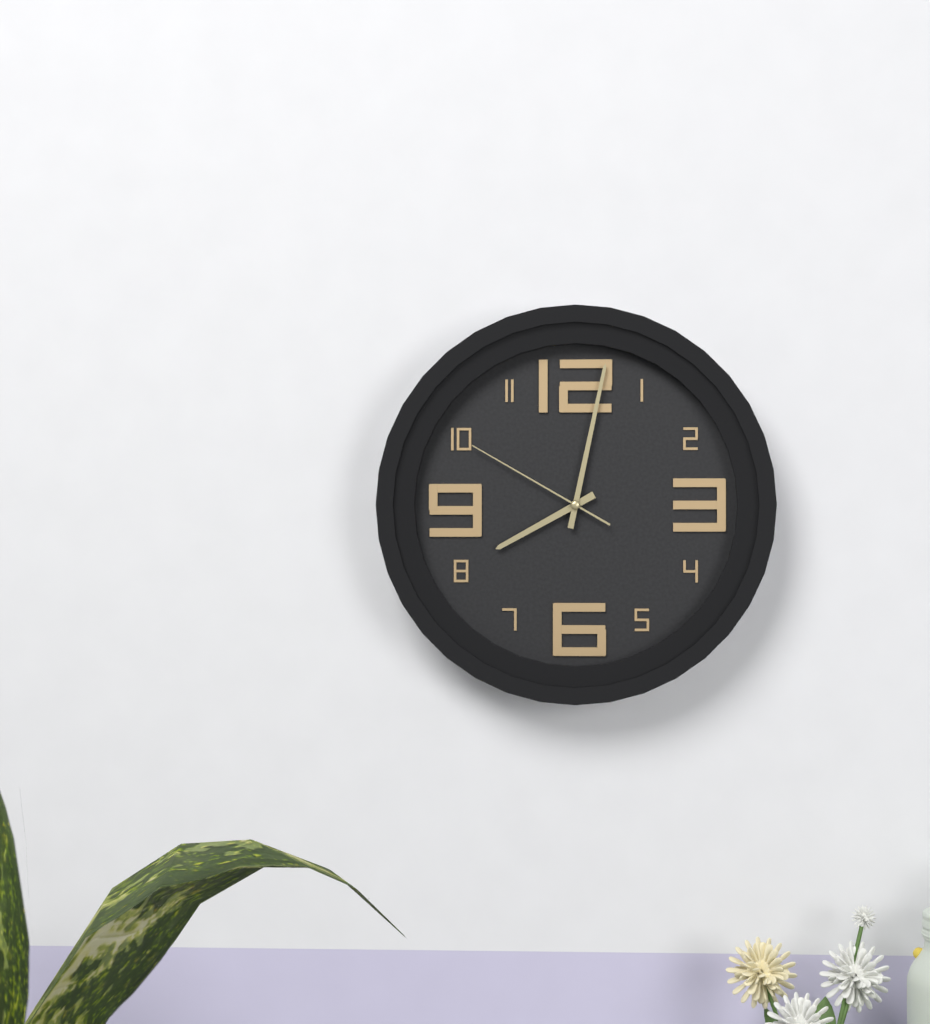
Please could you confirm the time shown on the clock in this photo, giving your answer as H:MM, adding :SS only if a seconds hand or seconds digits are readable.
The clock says 8:02:50
